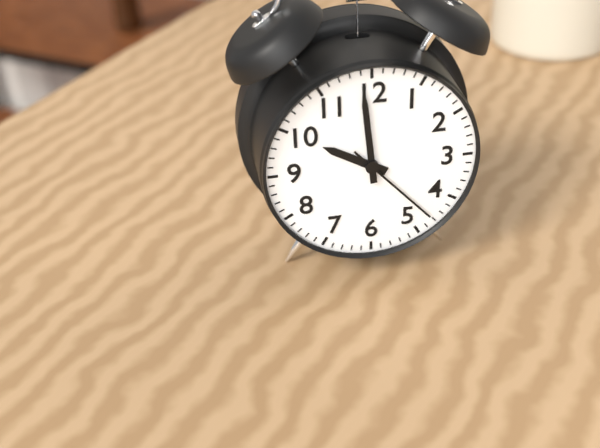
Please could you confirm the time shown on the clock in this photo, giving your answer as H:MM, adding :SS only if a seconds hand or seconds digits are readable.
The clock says 9:59:23
